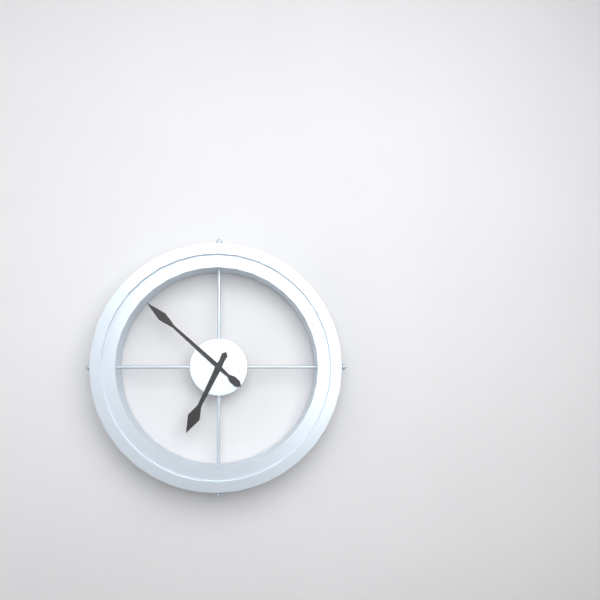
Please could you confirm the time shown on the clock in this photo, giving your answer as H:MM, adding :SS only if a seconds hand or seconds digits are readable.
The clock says 6:52
